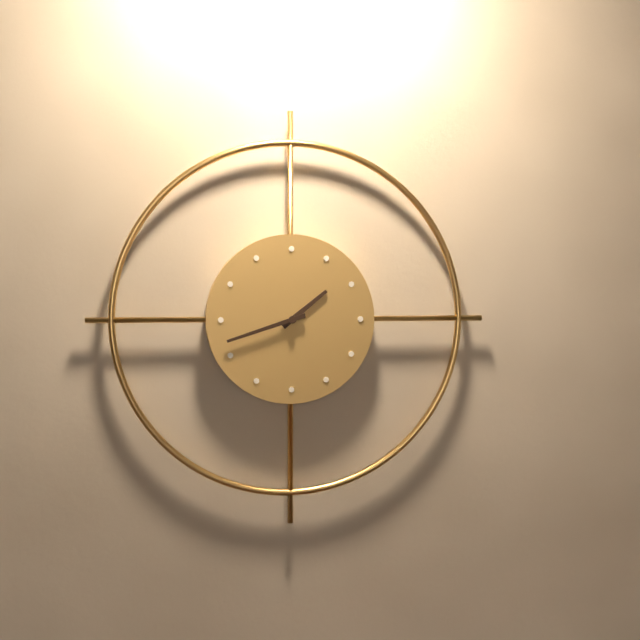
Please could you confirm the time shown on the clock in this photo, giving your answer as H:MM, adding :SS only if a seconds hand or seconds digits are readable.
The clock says 1:42
